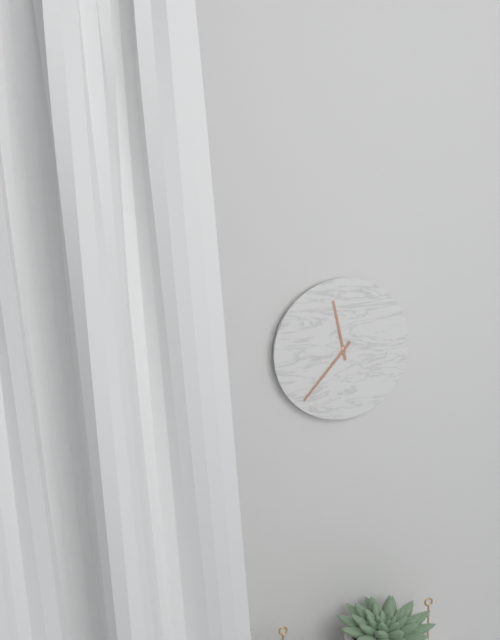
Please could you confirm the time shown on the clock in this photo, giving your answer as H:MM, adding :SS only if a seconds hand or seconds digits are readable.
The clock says 11:37
